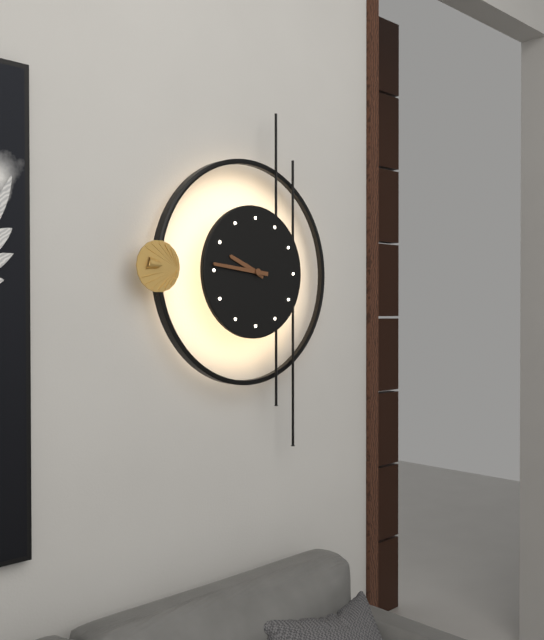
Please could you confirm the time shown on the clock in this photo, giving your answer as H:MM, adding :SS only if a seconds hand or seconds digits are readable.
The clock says 9:46
